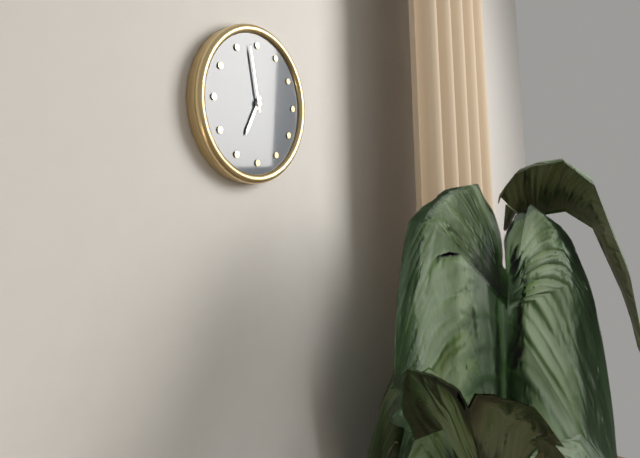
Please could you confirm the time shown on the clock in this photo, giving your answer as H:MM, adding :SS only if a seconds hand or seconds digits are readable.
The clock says 6:58
